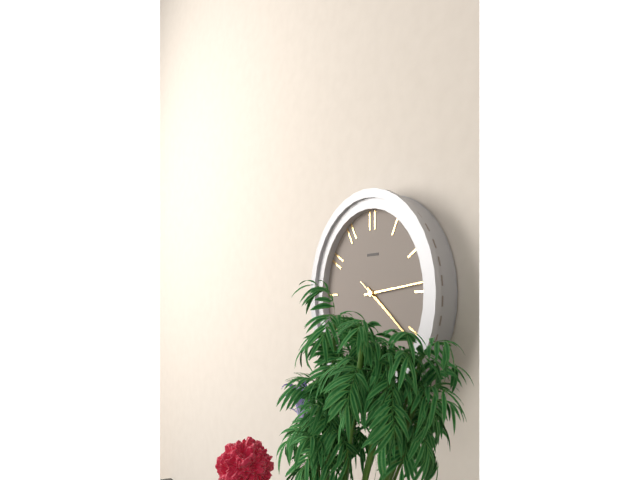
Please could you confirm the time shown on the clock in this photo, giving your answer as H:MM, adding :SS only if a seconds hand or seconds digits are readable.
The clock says 4:14
